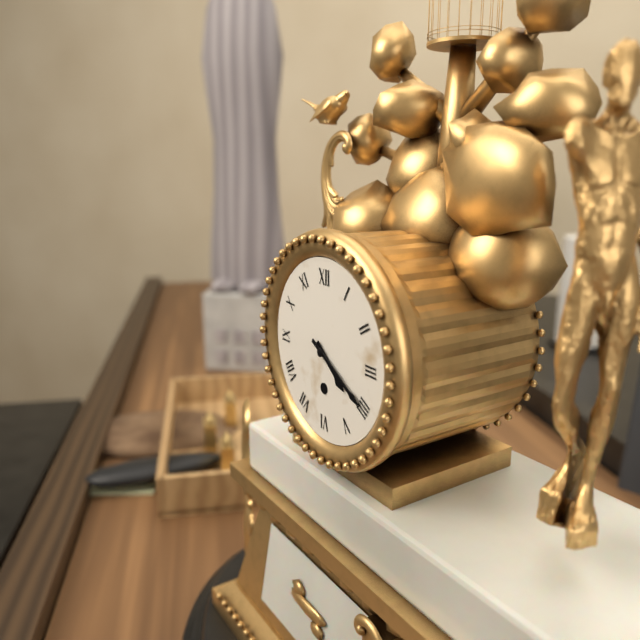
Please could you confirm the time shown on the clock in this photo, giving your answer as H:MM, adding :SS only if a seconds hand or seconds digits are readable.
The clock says 4:20
